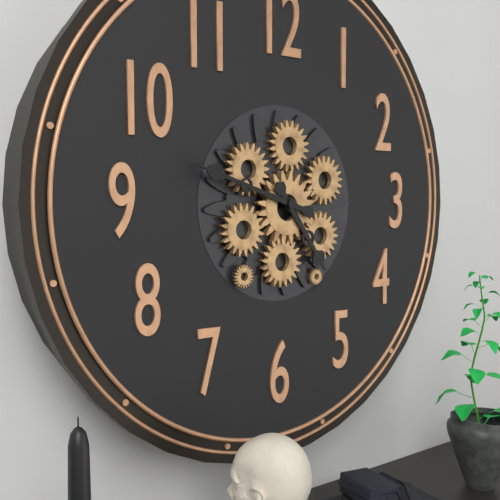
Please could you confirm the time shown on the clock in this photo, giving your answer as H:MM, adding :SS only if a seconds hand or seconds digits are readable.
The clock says 4:48
